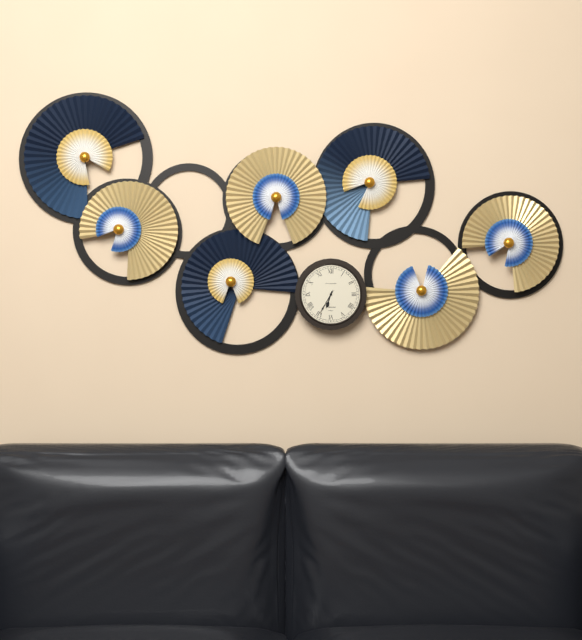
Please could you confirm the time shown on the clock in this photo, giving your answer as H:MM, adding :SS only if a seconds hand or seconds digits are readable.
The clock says 6:35
